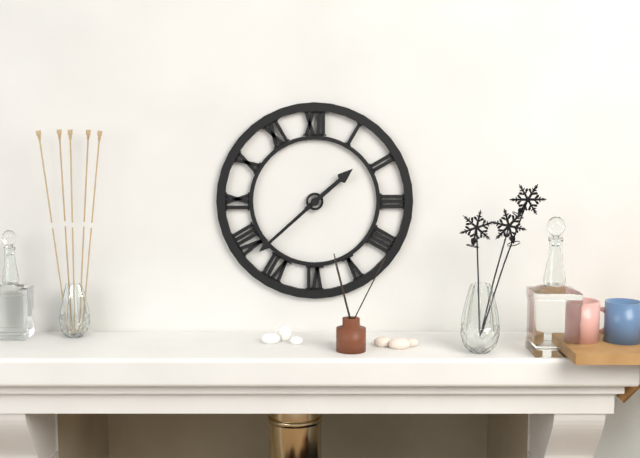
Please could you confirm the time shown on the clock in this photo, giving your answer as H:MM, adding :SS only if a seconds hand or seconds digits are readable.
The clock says 1:38
